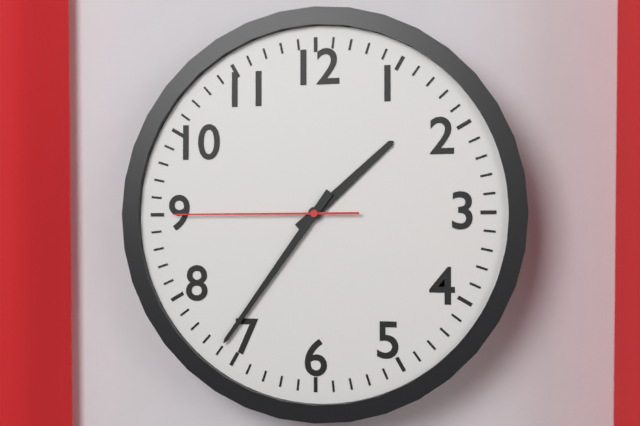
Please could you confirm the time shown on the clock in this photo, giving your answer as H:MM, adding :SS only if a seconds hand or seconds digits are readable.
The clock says 1:36:45
